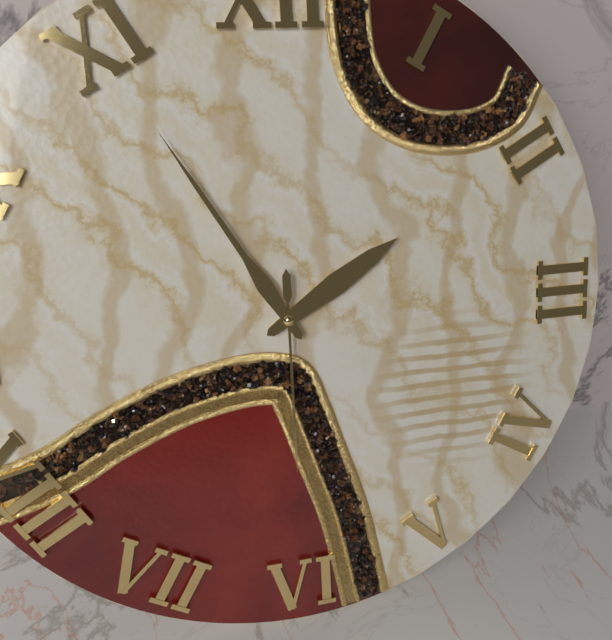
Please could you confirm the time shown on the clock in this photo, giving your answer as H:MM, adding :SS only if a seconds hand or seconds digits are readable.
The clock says 1:55:30
